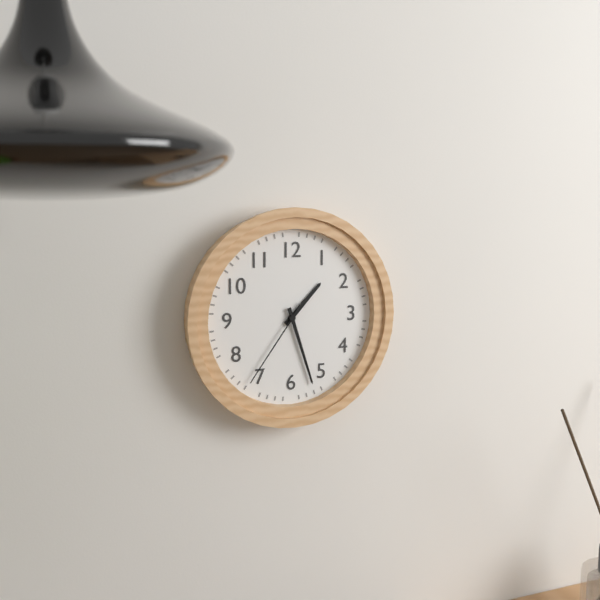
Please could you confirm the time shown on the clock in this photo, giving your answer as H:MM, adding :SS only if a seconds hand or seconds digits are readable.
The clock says 1:27:36
